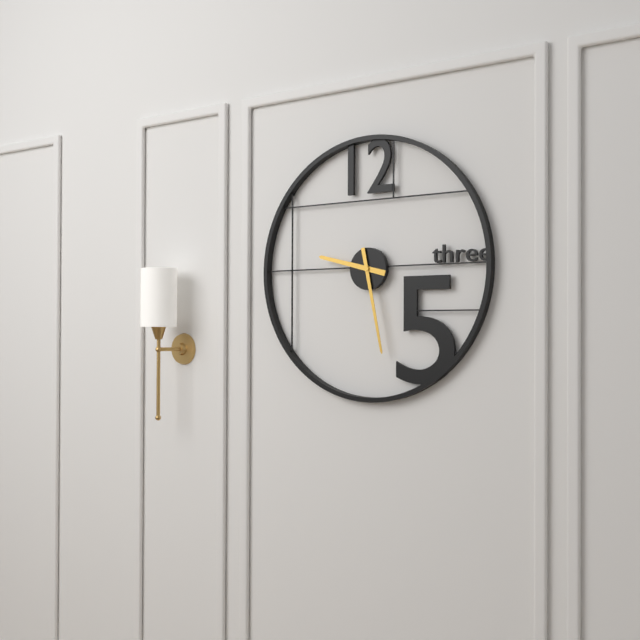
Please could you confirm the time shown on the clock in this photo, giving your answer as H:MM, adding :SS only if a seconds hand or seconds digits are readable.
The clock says 9:28
